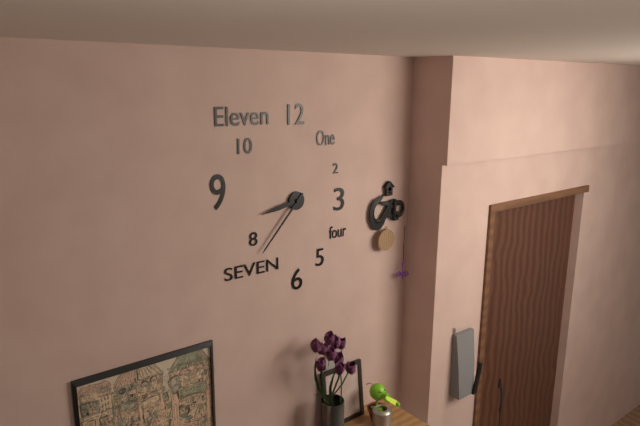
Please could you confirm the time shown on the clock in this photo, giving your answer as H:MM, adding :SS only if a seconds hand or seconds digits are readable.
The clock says 8:37
